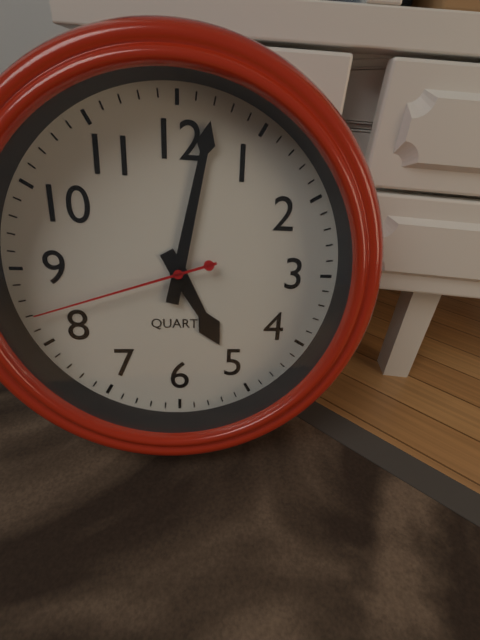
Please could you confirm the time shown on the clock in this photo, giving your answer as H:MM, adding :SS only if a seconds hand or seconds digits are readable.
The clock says 5:02:42
